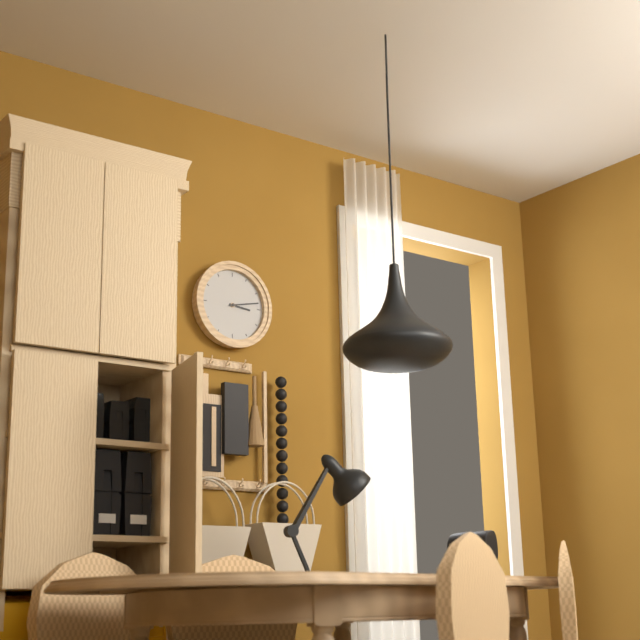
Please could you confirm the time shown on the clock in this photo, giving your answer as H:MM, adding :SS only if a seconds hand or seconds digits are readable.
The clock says 3:13
